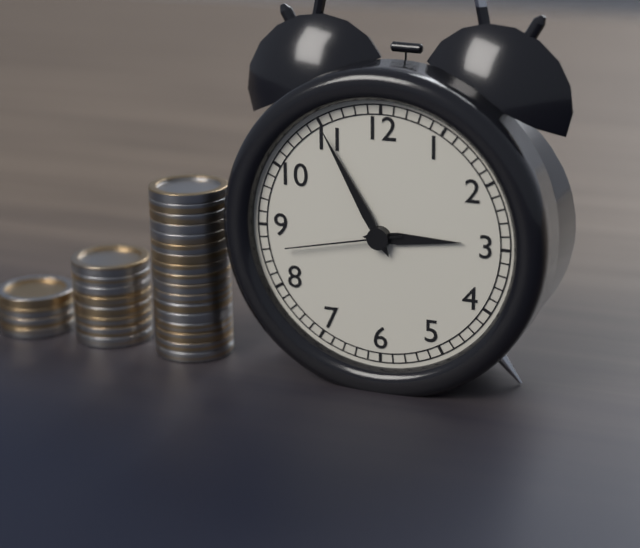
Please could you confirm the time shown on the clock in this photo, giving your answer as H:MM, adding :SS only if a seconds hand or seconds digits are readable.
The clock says 2:55:43
